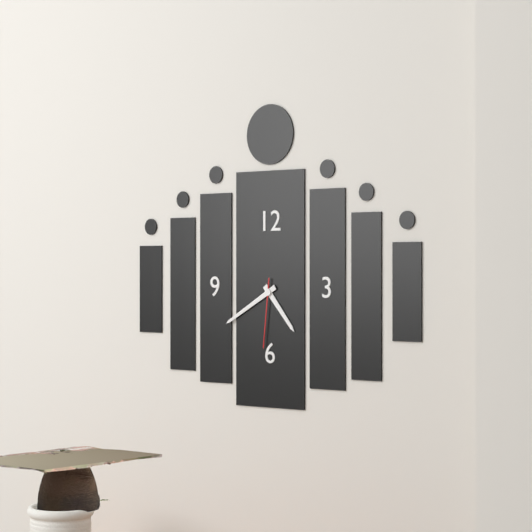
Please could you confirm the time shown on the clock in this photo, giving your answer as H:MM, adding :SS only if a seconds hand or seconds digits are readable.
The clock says 4:40:31
